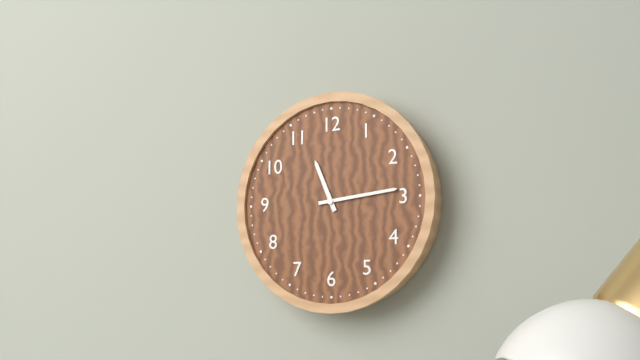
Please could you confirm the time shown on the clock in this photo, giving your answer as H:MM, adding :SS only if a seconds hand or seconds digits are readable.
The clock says 11:14
